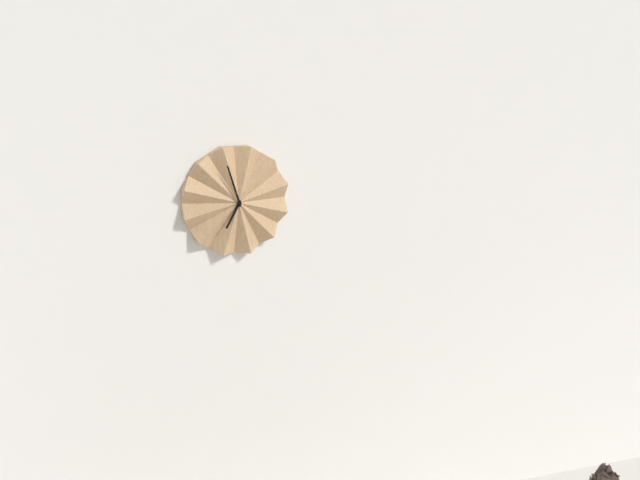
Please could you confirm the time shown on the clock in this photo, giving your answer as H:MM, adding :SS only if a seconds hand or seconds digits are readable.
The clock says 6:57
